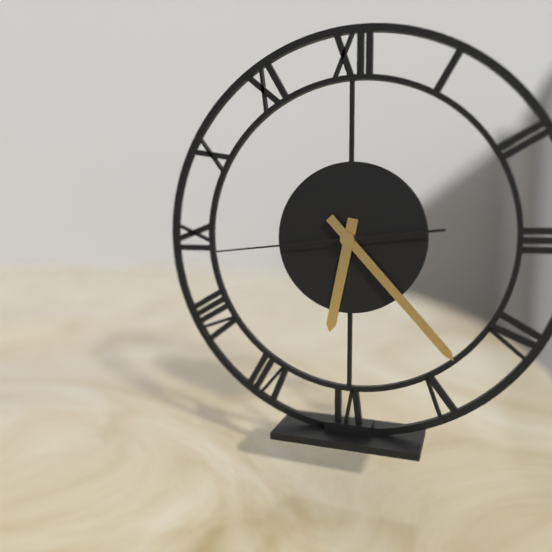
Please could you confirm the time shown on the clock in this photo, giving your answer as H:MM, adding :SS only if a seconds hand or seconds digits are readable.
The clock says 6:23:44
